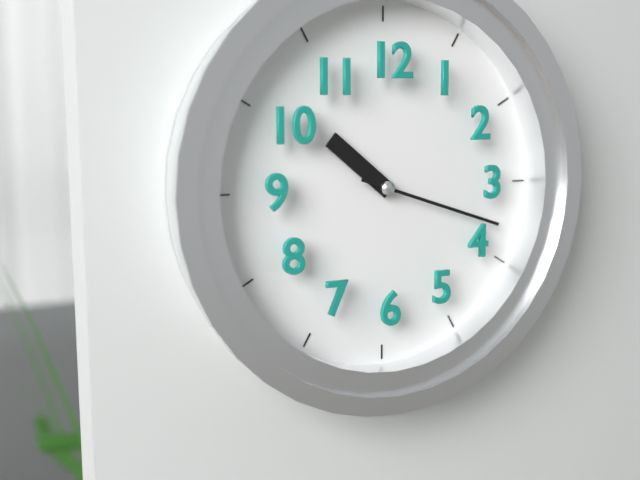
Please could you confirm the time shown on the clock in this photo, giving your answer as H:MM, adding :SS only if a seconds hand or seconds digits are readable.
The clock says 10:18
